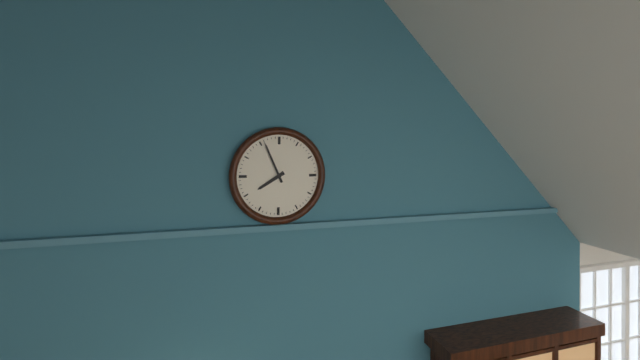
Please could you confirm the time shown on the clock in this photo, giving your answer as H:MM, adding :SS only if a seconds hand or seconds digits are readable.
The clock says 7:56
